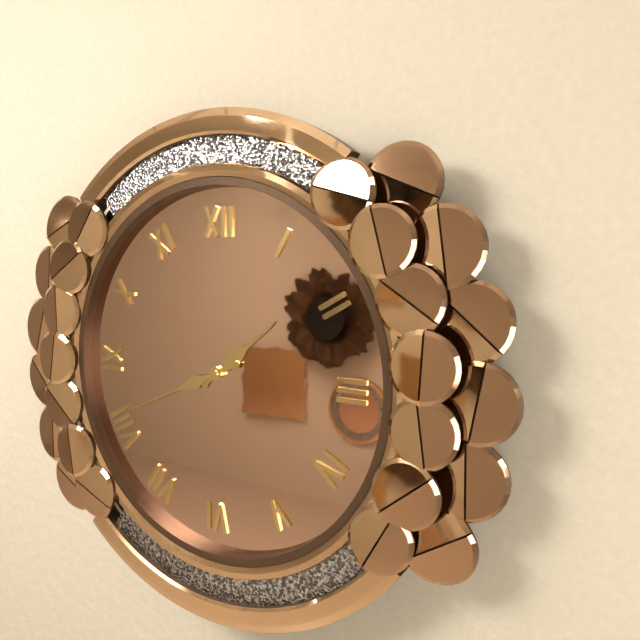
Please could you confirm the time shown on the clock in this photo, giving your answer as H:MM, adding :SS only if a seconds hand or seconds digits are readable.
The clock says 1:41
